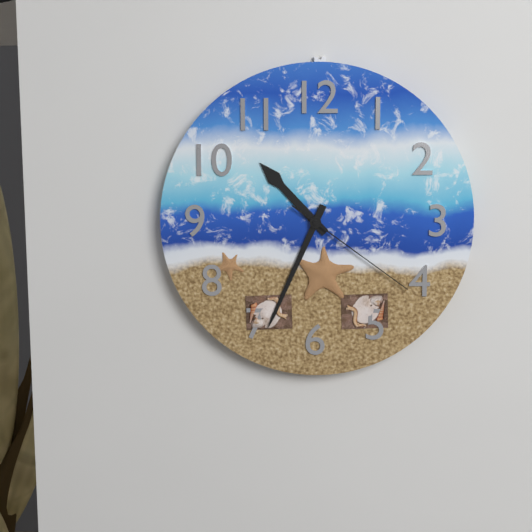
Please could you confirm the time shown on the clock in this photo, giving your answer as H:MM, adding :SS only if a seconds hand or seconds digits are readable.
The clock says 10:34:21
